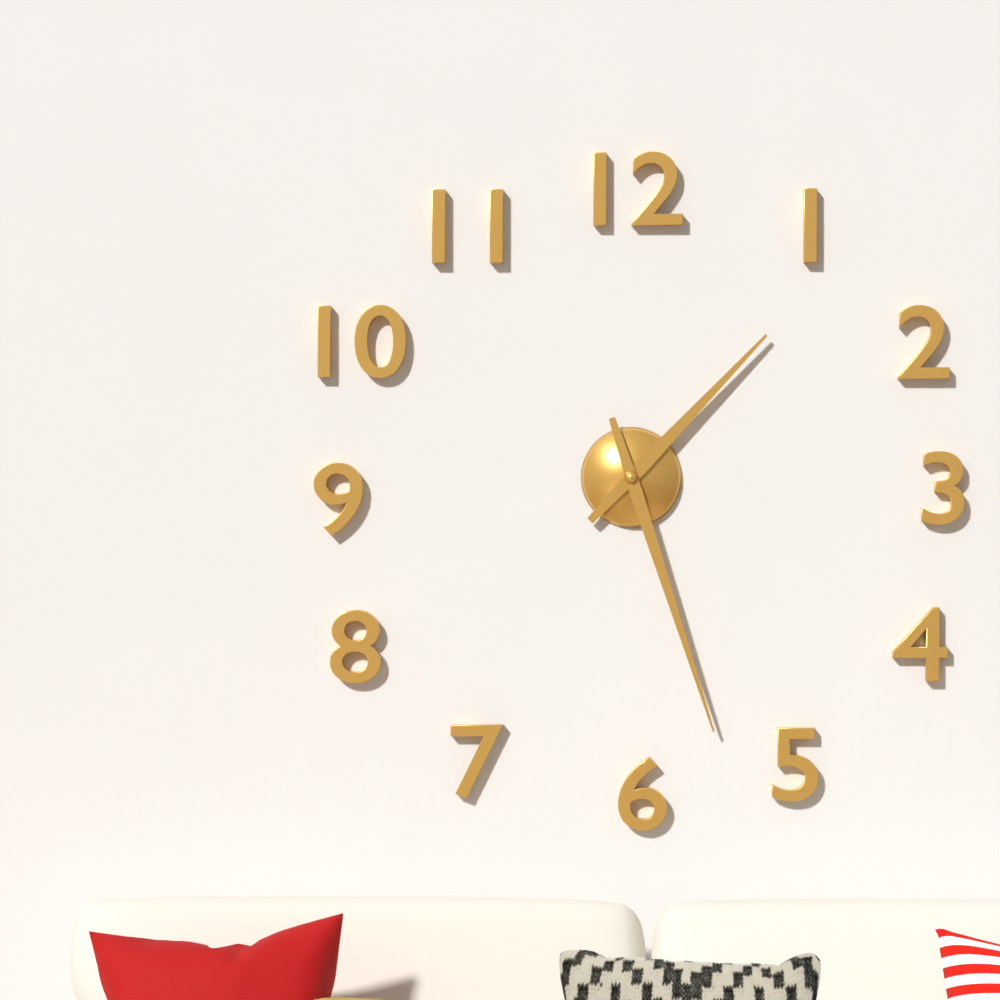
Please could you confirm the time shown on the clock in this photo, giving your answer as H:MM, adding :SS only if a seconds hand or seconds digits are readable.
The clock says 1:27
